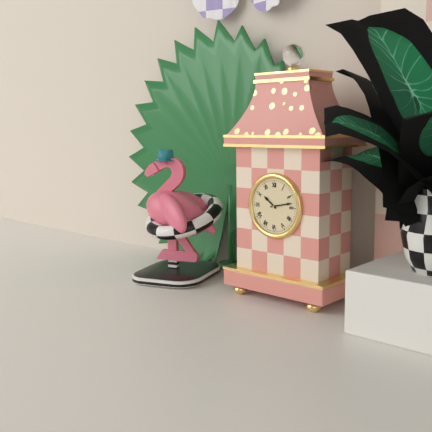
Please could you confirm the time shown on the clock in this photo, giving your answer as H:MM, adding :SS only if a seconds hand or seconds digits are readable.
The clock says 10:13
